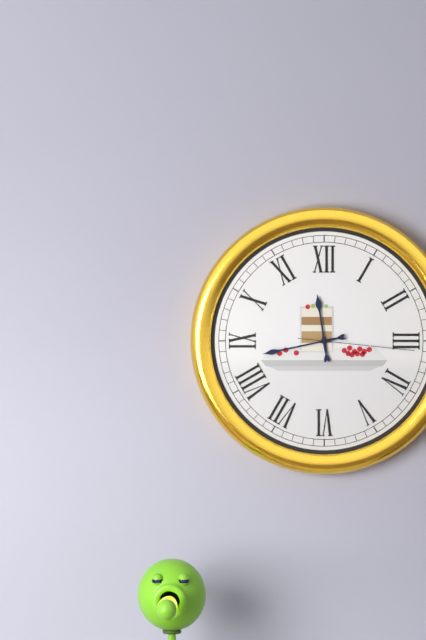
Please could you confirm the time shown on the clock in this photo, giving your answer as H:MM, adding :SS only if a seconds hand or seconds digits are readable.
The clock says 11:43:16
